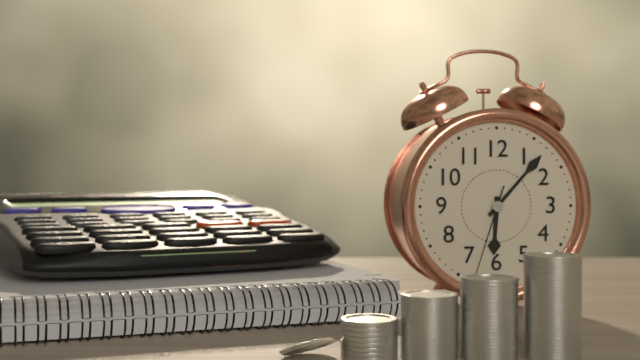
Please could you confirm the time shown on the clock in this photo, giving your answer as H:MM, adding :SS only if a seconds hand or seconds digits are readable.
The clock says 6:07:33
